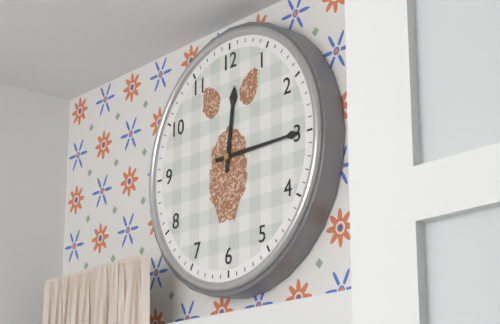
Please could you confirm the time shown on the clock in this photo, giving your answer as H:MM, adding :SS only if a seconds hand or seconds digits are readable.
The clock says 12:15
